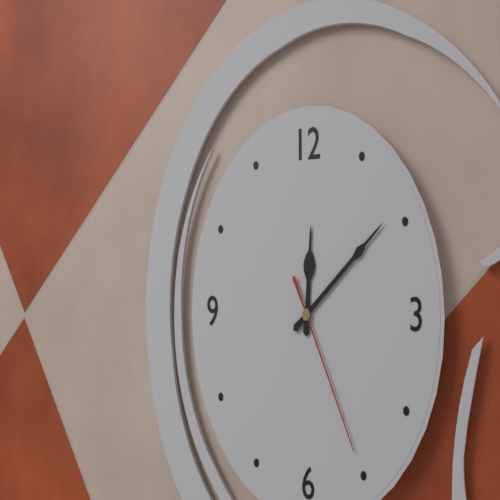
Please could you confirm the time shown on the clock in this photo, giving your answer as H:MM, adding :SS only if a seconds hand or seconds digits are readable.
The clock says 12:09:25
